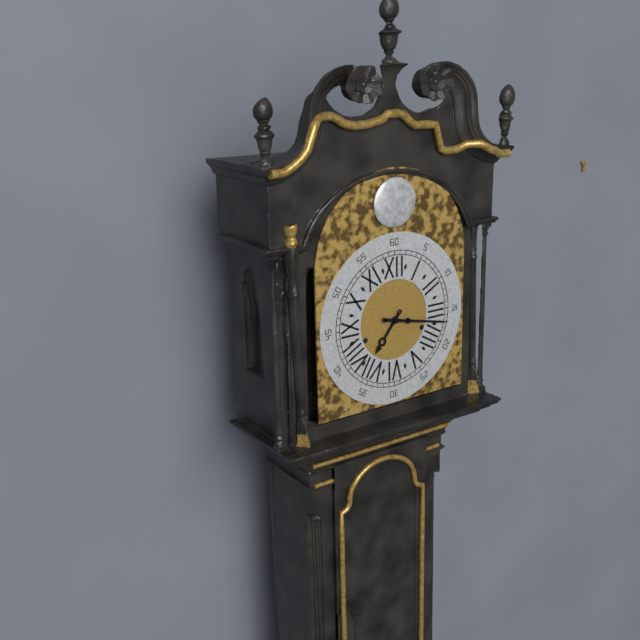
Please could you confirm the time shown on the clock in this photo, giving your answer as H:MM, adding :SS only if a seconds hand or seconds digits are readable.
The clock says 7:17
